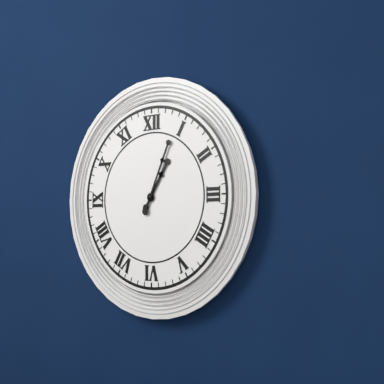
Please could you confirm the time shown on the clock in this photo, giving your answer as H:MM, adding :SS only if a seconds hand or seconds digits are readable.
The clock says 1:04
